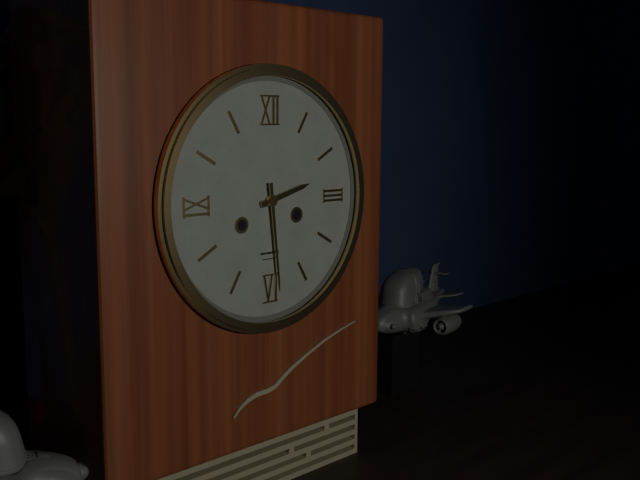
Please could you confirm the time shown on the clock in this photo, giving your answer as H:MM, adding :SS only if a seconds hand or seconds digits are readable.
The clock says 2:29
